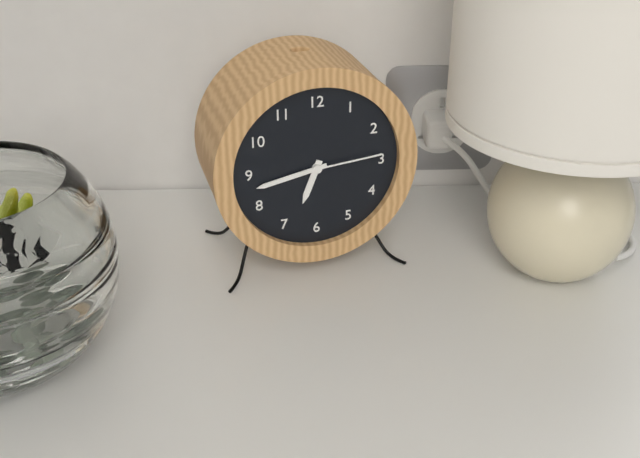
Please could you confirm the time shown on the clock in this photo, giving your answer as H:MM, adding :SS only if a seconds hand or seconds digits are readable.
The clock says 6:43:14
